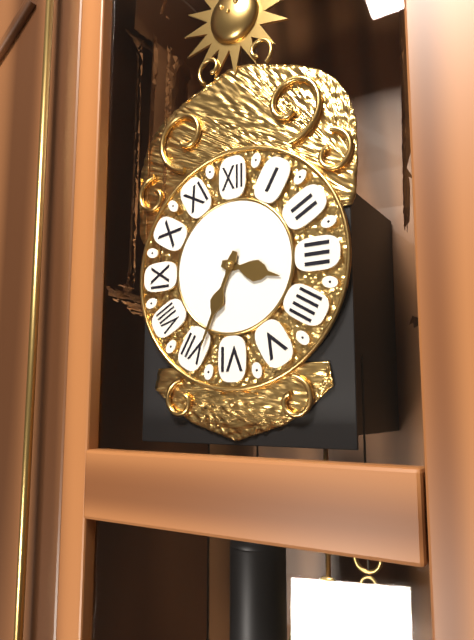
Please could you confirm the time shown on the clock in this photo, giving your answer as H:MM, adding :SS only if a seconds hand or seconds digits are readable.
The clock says 3:34
